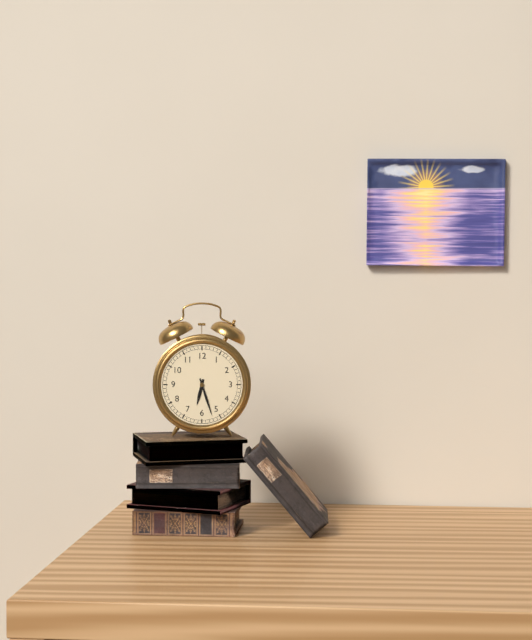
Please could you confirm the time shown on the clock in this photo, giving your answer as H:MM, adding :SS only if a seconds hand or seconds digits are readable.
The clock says 6:27
